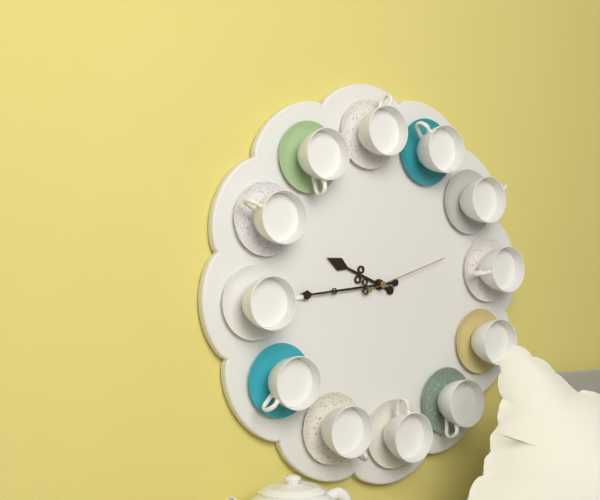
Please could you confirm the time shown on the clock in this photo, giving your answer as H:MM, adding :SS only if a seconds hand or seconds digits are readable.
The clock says 9:44:12
